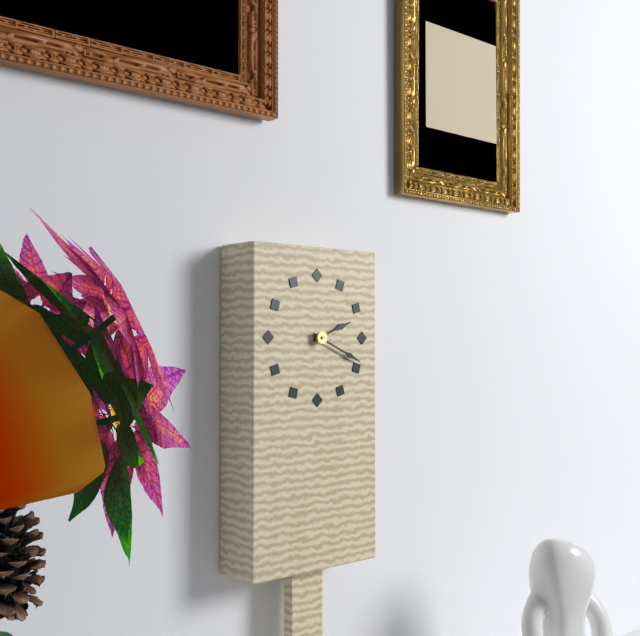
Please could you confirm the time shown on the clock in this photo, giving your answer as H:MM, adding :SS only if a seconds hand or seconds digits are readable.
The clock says 2:19
